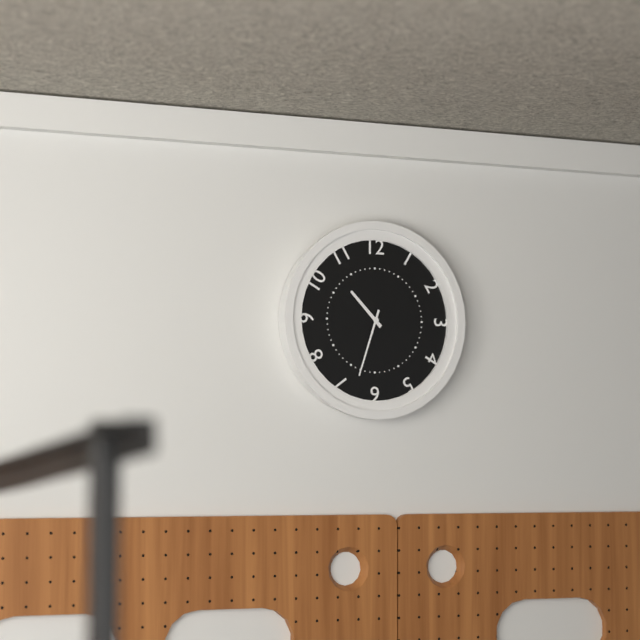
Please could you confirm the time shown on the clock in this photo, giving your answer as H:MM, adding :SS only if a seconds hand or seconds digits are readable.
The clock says 10:33
